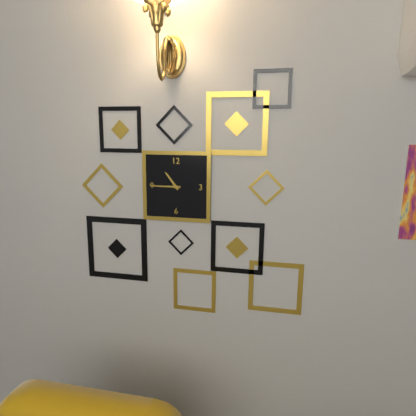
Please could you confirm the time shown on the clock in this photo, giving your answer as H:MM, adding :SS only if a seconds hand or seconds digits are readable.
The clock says 10:45
